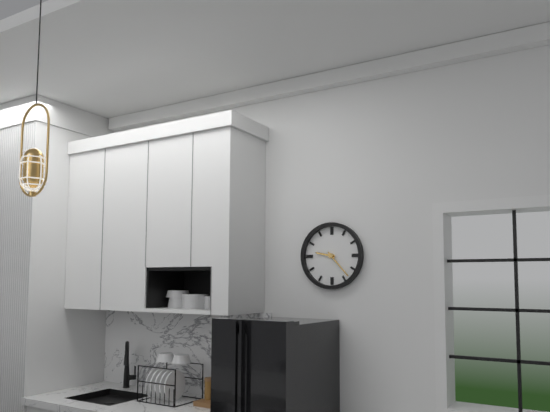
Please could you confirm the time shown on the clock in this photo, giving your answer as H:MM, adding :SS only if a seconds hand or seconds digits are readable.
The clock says 9:23
